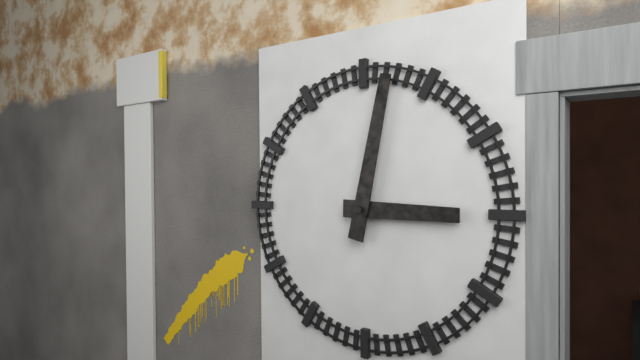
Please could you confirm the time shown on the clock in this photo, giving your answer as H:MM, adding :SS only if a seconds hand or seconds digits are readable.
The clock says 3:02
